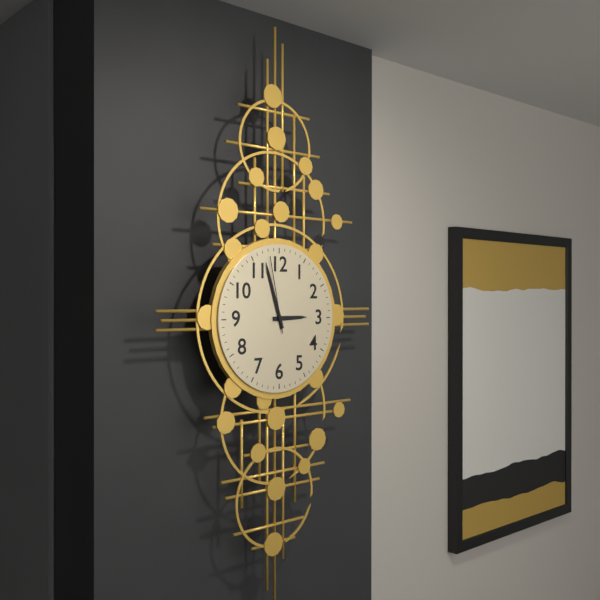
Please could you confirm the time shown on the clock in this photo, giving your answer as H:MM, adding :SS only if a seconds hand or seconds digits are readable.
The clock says 2:57:58
